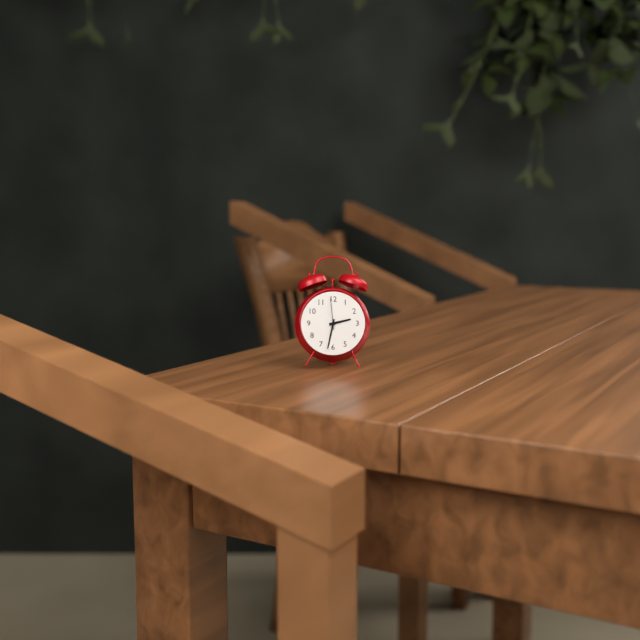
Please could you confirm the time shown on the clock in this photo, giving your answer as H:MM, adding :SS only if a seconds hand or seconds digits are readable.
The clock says 2:32
